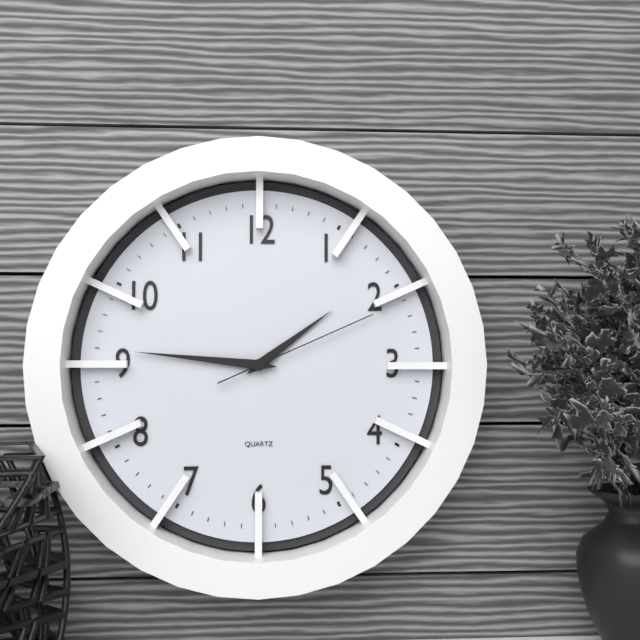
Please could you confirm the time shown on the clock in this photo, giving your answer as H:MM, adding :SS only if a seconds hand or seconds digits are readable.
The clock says 1:46:11
